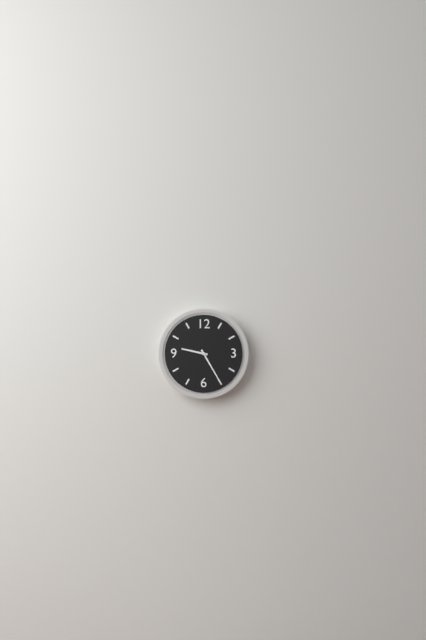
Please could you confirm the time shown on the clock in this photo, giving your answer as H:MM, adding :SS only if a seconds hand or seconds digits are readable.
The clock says 9:25
